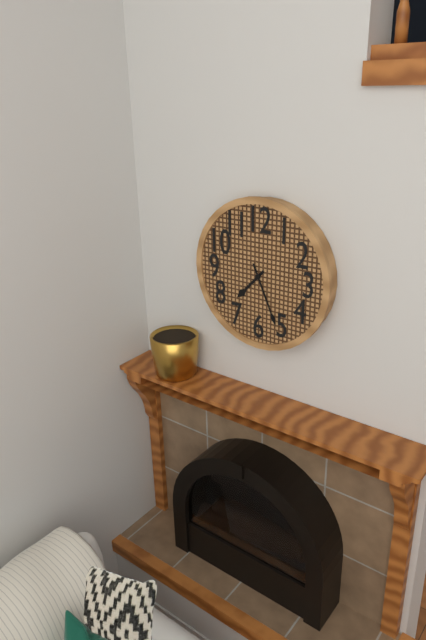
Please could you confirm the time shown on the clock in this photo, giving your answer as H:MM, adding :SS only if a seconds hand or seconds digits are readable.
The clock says 7:26
